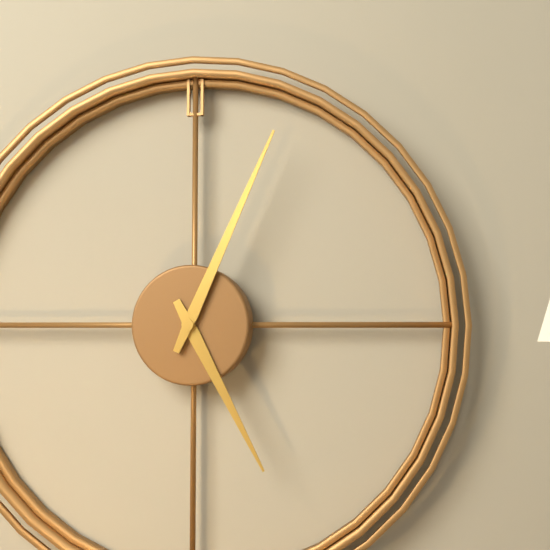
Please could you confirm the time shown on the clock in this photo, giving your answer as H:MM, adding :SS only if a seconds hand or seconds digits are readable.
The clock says 5:04
